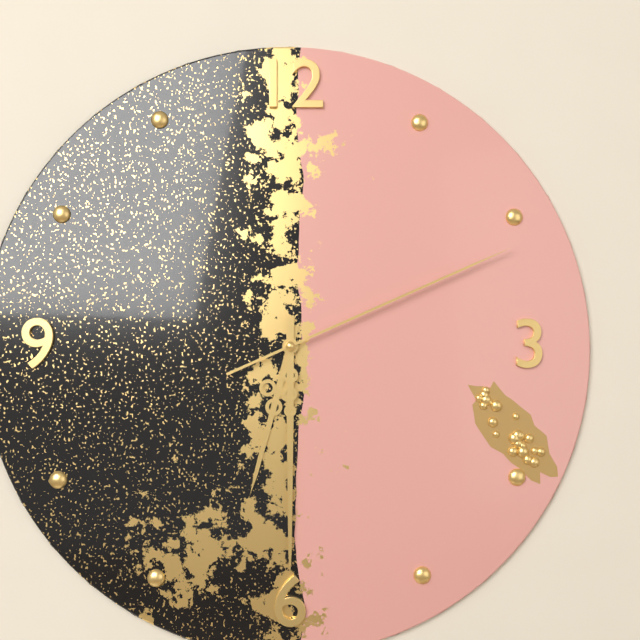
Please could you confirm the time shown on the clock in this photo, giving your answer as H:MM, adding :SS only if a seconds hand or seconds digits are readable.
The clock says 6:30:11
